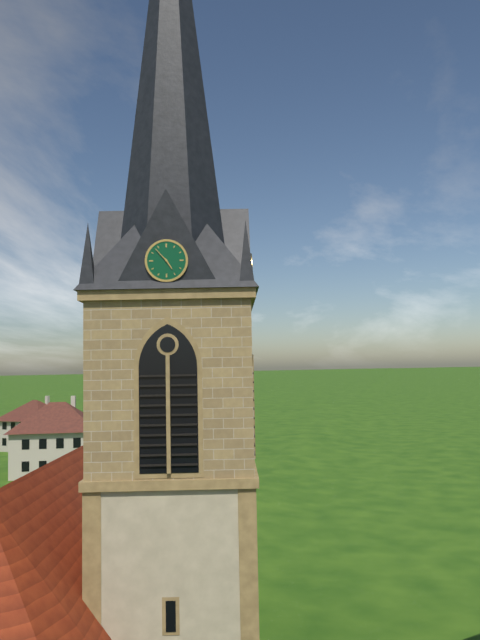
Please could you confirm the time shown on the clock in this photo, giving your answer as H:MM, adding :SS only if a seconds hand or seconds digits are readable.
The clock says 4:53
